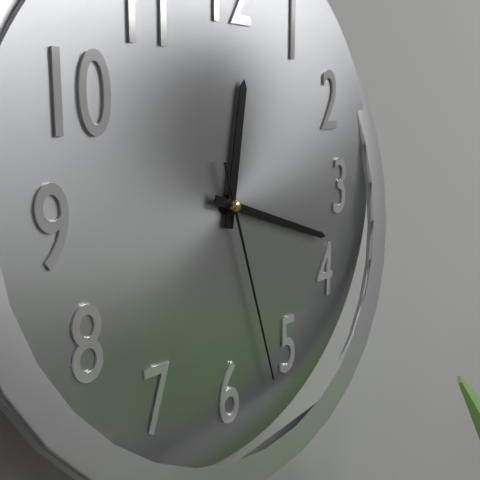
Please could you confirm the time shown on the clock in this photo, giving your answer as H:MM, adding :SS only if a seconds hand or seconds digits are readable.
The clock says 12:18:27
